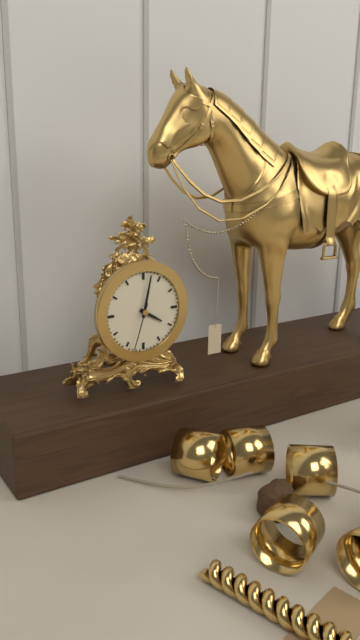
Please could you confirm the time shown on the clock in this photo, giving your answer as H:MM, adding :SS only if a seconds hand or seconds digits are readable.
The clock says 4:02
